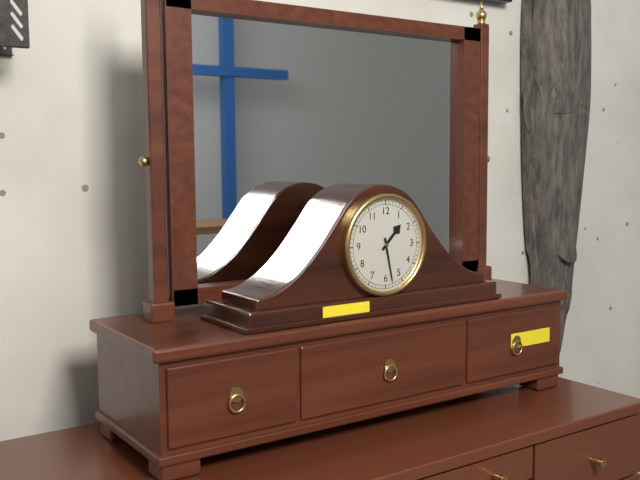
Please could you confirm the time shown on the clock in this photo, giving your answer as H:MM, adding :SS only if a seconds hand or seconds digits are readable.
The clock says 1:28
